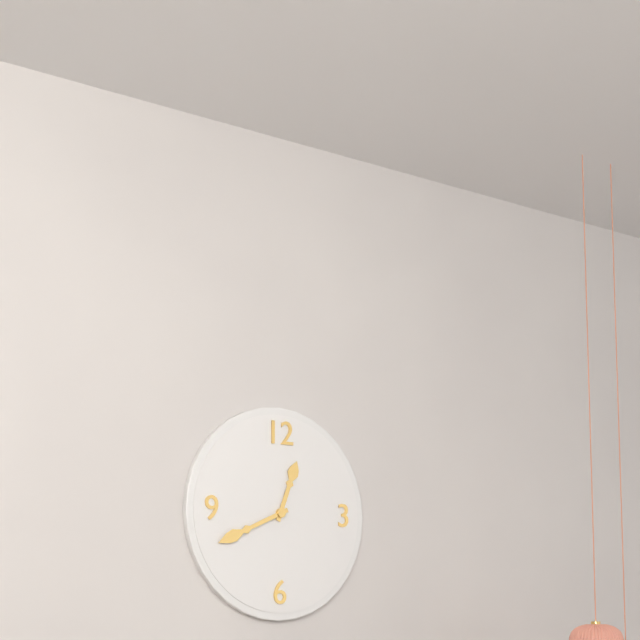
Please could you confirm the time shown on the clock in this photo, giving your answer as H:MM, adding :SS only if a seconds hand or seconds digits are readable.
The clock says 12:41
